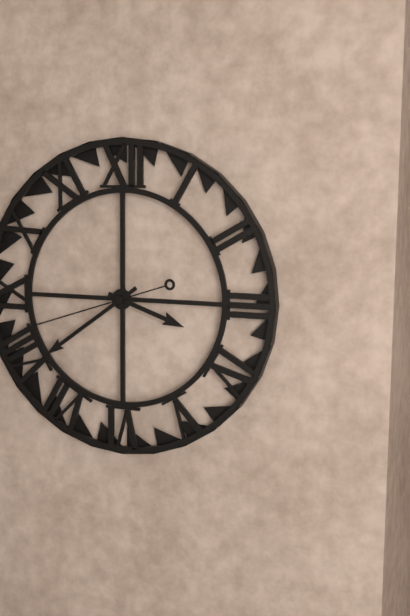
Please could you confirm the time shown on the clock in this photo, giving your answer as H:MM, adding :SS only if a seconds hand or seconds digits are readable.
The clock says 3:39:42
